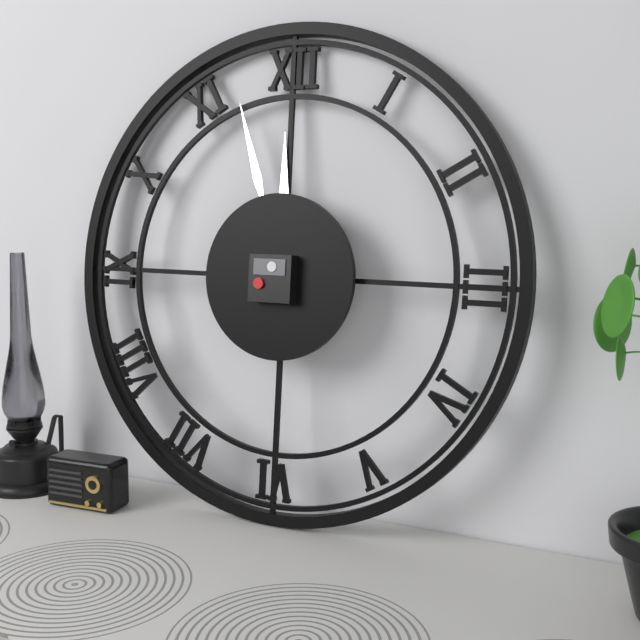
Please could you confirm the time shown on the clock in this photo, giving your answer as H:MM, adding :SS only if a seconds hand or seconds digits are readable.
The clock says 11:57
